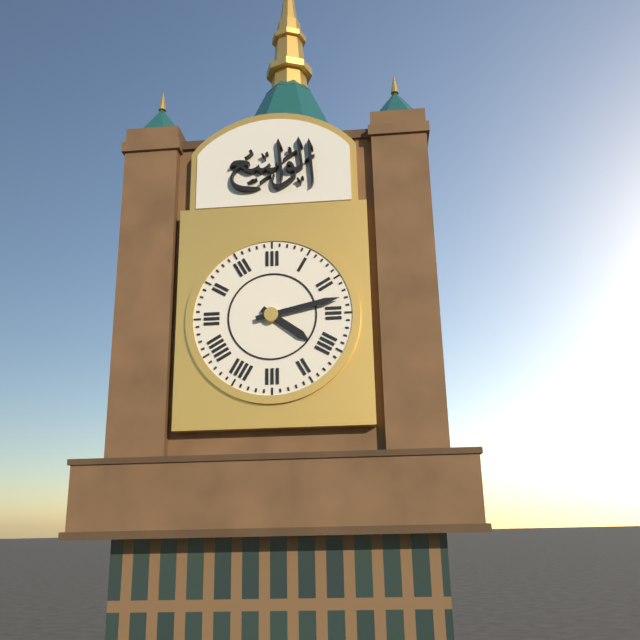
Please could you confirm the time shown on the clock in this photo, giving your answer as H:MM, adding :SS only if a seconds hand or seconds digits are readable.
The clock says 4:13
